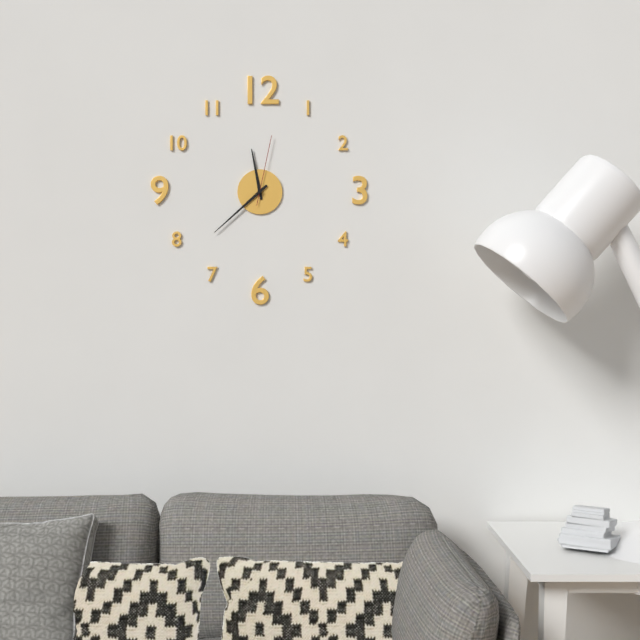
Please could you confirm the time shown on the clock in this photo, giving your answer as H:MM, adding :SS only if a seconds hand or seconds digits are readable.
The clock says 11:38:02
